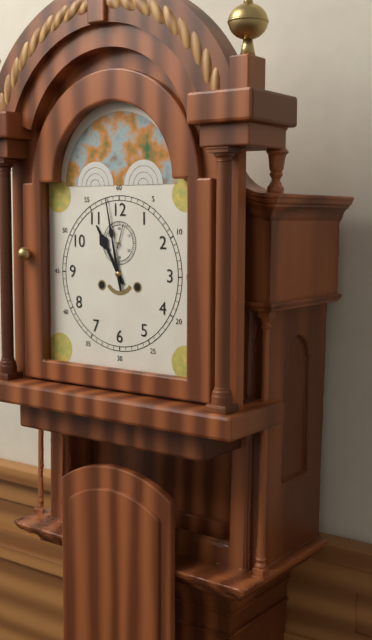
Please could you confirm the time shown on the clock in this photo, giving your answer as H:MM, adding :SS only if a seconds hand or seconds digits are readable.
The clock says 10:58
